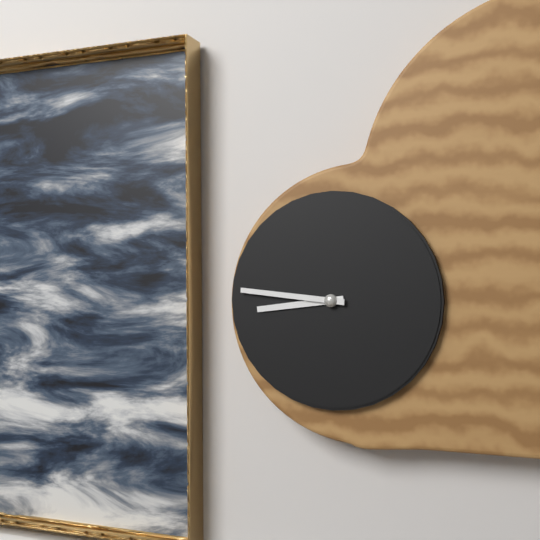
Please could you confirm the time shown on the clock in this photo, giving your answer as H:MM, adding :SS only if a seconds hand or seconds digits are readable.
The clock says 8:46
